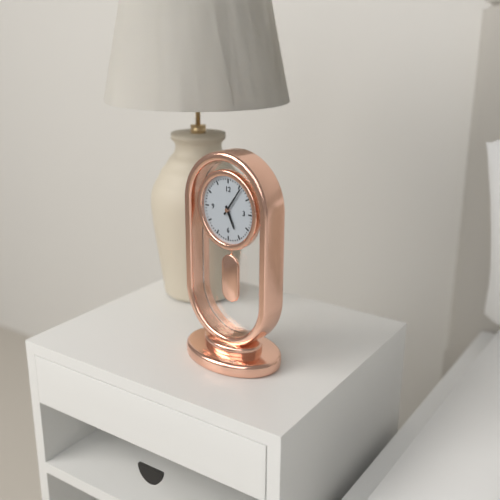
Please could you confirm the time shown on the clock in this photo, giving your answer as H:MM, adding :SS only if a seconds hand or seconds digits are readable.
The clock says 5:06
